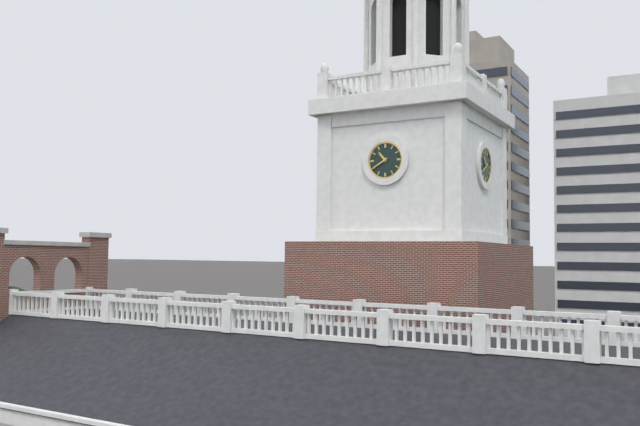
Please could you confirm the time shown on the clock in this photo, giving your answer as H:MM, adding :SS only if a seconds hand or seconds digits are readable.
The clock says 10:40
